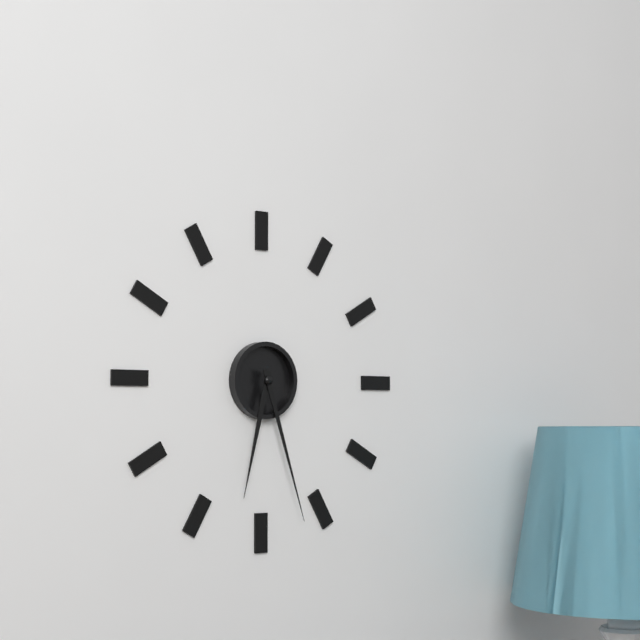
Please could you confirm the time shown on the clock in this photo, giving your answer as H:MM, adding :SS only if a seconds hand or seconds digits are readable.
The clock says 6:27
